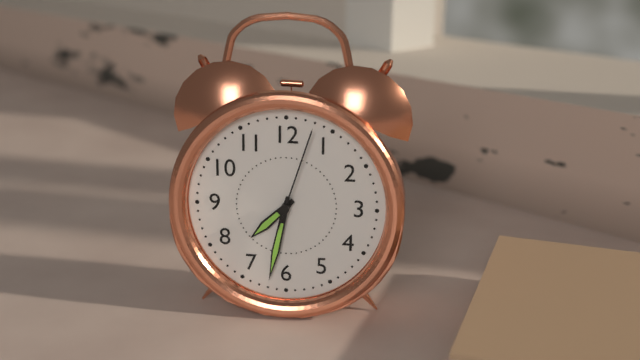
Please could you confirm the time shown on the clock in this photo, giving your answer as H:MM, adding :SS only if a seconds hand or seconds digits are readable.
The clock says 7:32:03
